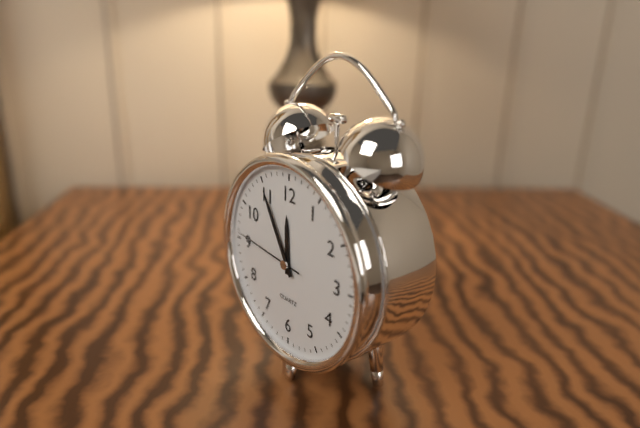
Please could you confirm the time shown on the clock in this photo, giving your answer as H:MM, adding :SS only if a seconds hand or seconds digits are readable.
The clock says 11:55:46
